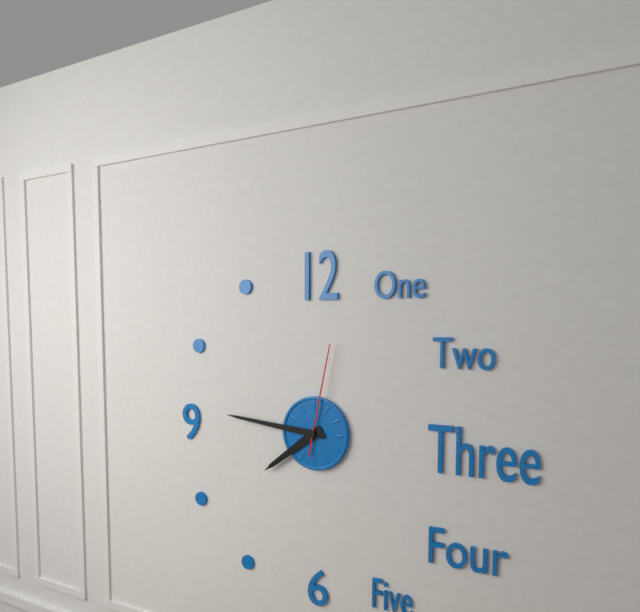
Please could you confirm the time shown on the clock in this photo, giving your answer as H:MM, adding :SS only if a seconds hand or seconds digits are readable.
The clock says 7:46:02
